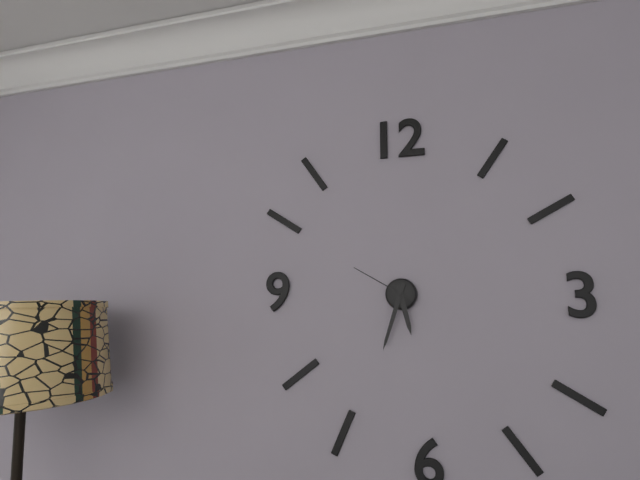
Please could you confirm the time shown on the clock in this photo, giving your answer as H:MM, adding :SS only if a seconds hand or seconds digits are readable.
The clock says 5:33:50
